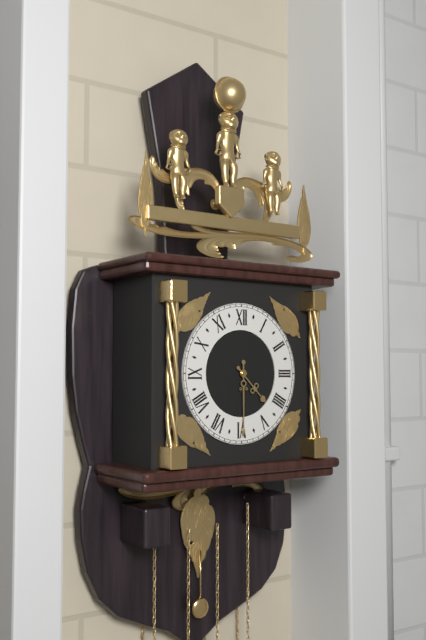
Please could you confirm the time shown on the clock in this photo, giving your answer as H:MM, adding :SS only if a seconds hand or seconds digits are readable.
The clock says 4:30
